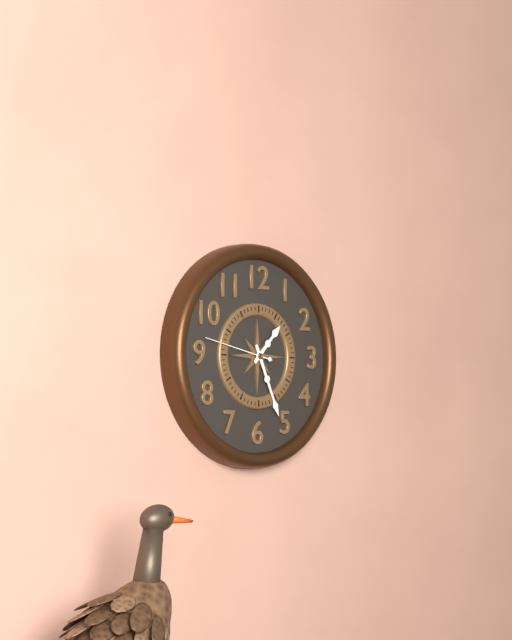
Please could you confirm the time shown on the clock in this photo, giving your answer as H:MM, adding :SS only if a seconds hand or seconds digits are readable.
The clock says 1:26:47
